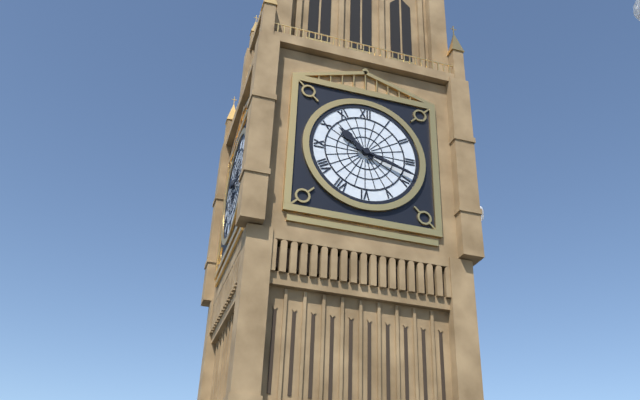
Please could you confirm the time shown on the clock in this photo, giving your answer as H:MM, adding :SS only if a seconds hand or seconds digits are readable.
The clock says 10:18
